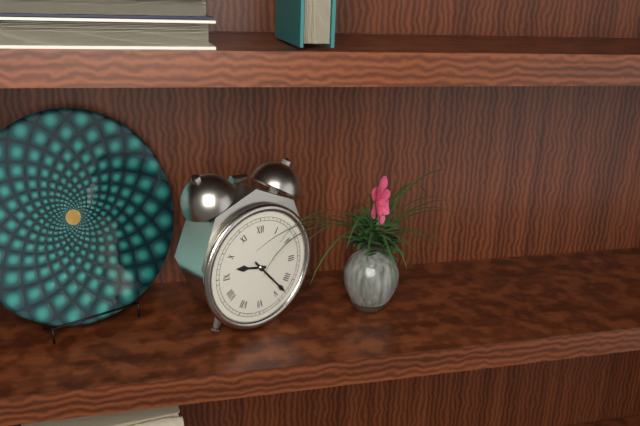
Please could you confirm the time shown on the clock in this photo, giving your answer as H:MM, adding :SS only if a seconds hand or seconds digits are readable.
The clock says 9:23
